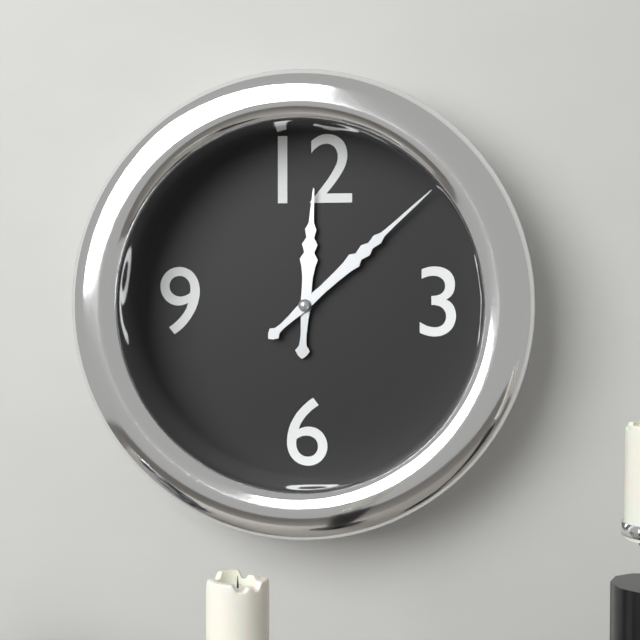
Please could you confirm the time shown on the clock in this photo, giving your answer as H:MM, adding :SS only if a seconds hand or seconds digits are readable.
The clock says 12:08
